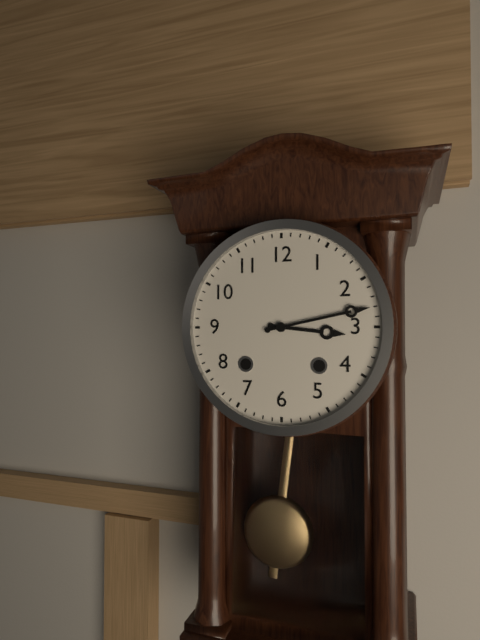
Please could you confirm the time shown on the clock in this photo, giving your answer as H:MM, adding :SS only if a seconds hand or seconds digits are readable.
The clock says 3:13
